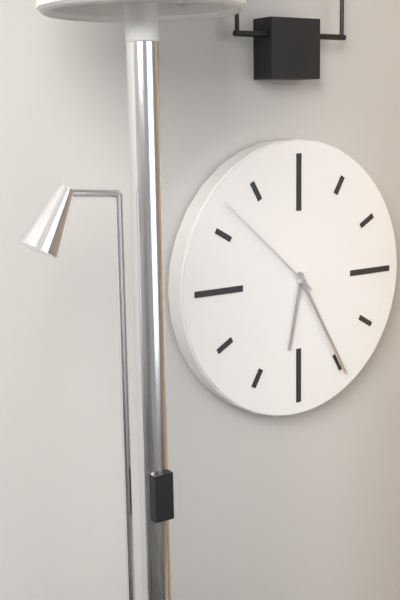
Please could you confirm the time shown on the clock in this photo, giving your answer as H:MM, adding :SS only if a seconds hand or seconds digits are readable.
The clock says 6:25:52
